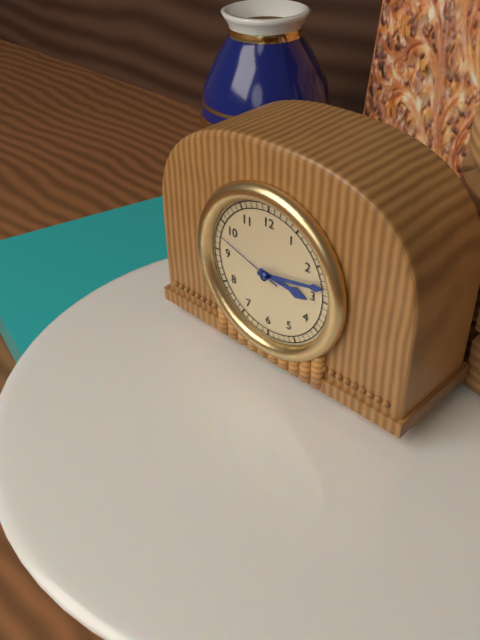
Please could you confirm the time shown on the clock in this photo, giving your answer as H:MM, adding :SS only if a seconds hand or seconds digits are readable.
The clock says 3:13:48
